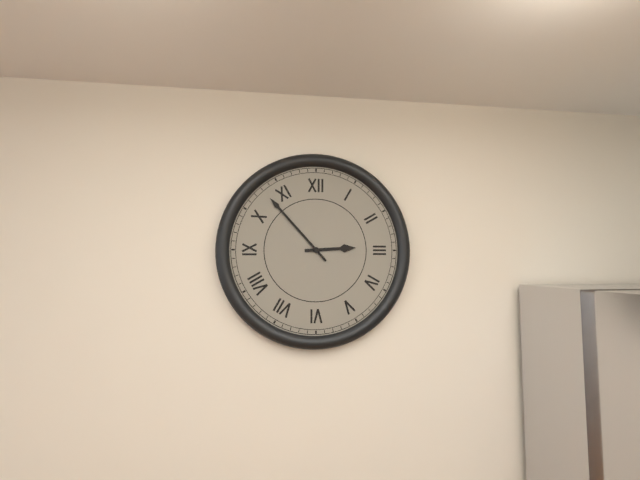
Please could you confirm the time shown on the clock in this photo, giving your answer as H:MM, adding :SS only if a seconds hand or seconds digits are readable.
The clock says 2:53
